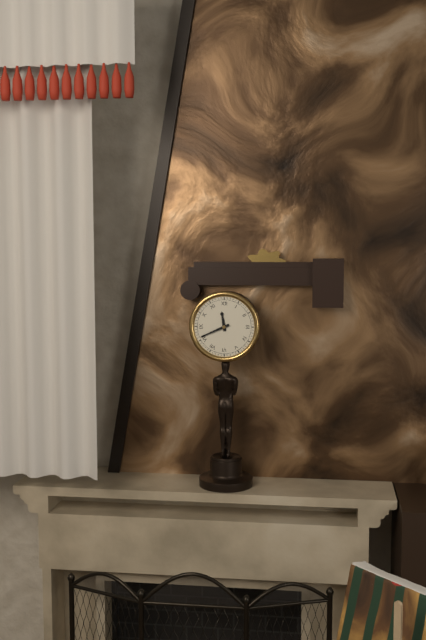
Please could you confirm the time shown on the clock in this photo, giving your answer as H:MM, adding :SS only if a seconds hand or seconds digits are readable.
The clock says 11:41
